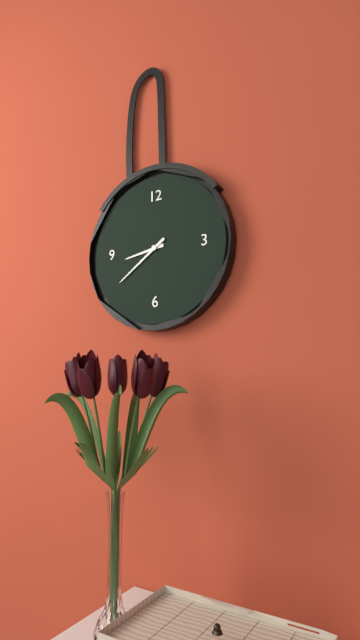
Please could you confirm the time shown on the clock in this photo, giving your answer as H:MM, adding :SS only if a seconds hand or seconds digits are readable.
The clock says 8:39
